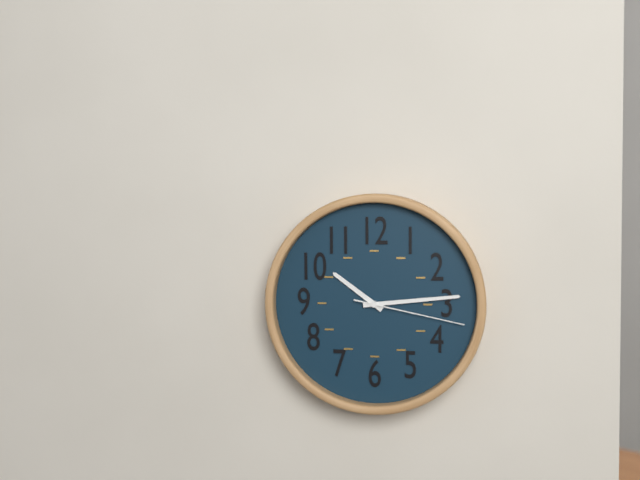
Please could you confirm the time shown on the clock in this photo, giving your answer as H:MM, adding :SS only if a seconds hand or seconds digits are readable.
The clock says 10:14:17
